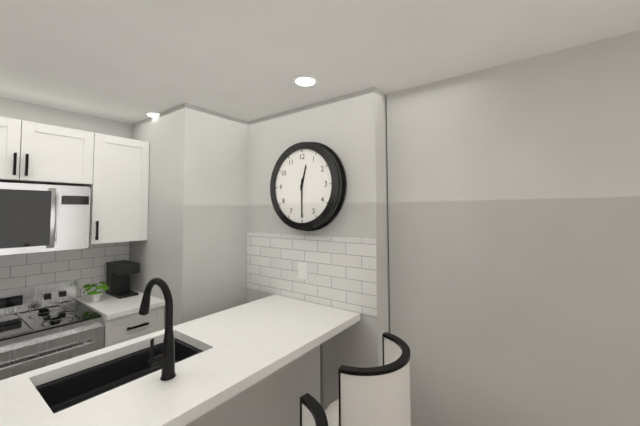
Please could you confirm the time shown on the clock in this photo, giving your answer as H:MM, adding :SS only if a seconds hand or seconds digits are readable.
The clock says 12:30
